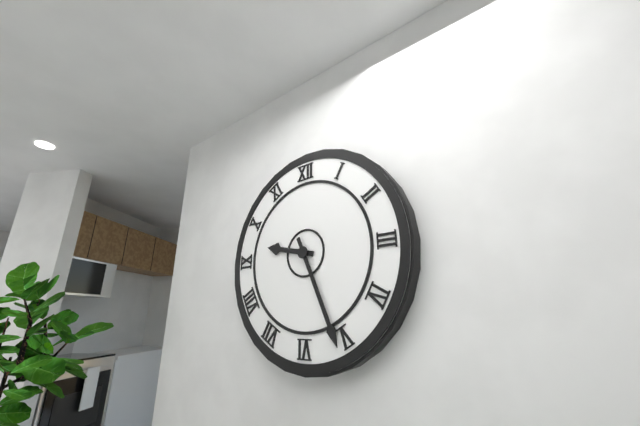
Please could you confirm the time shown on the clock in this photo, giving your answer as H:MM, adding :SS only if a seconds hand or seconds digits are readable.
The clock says 9:26
